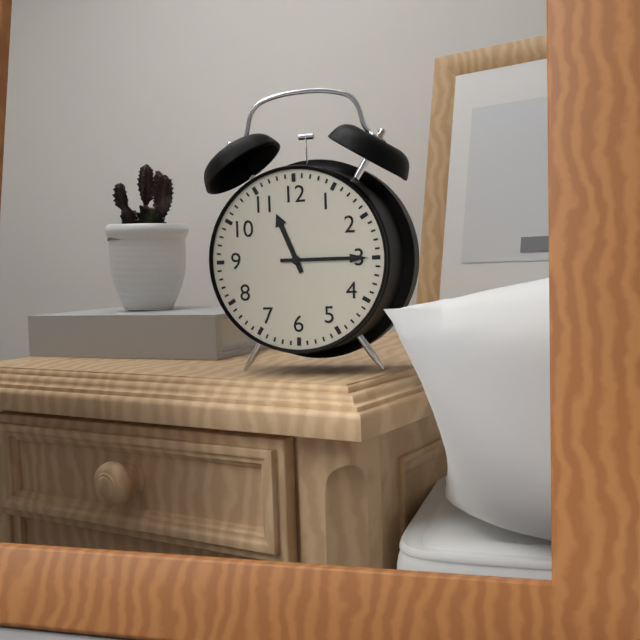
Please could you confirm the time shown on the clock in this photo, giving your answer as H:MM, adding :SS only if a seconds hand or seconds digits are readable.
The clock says 11:15
